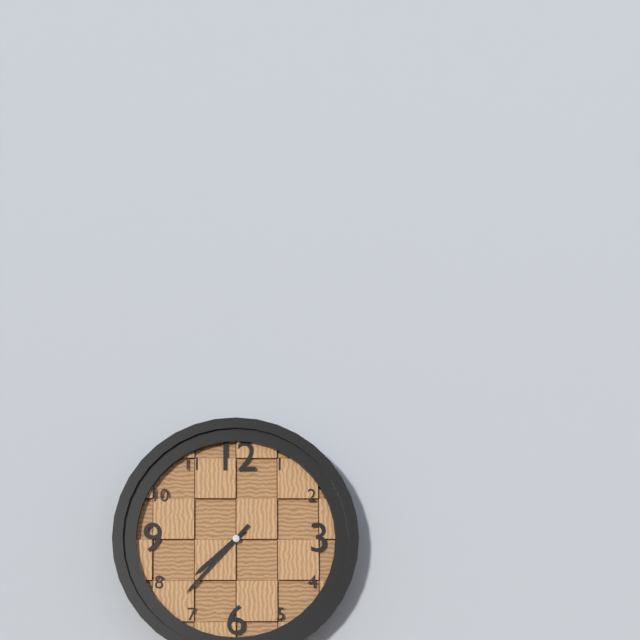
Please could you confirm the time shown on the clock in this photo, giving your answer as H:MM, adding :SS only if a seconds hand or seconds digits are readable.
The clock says 7:37
